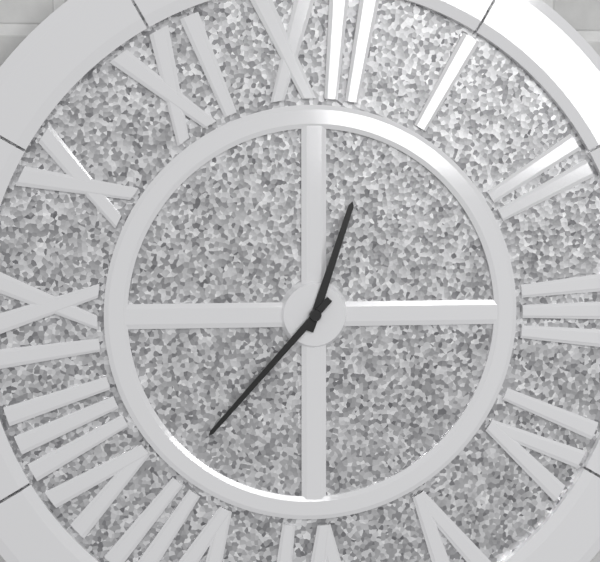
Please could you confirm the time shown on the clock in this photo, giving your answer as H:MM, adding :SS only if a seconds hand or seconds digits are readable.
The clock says 12:37
